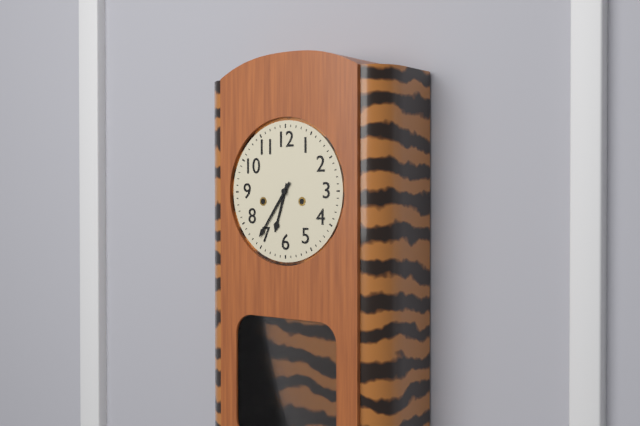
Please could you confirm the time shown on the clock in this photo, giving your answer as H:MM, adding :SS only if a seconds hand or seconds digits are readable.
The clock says 6:36
